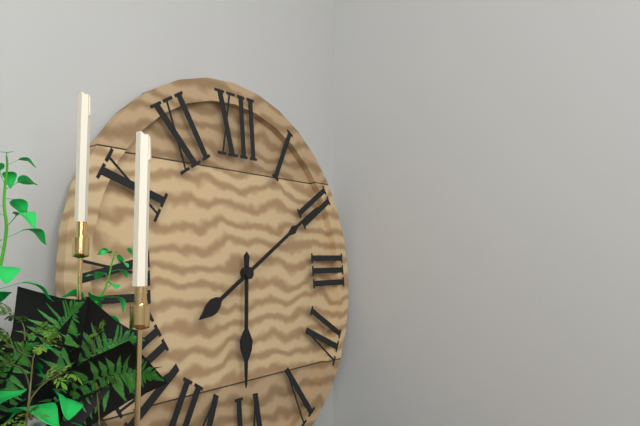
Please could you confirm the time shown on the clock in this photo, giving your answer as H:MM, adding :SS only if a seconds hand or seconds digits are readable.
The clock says 6:10
